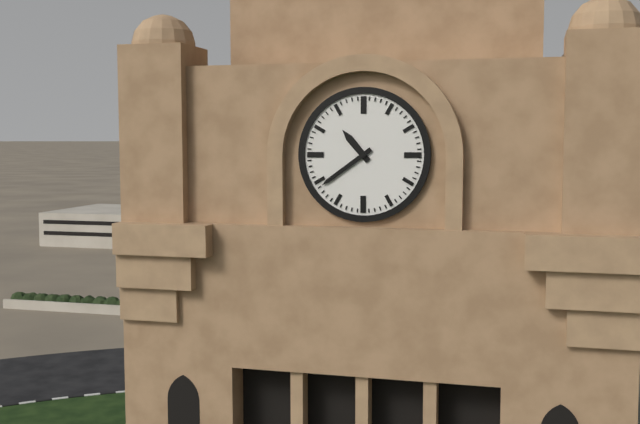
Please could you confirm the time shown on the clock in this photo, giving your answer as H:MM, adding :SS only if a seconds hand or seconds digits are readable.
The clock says 10:39
